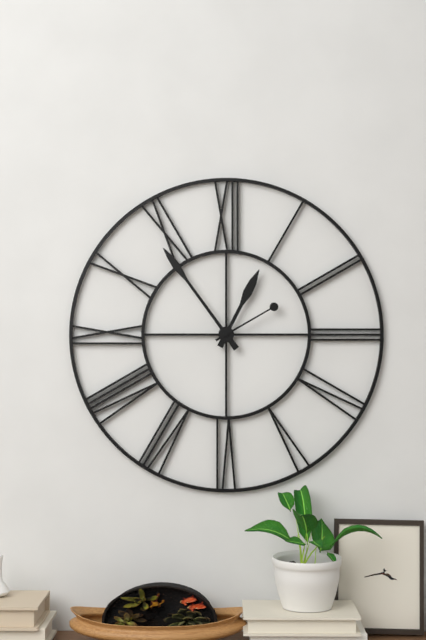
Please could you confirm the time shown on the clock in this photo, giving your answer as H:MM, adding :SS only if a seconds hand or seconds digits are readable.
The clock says 12:54:10
